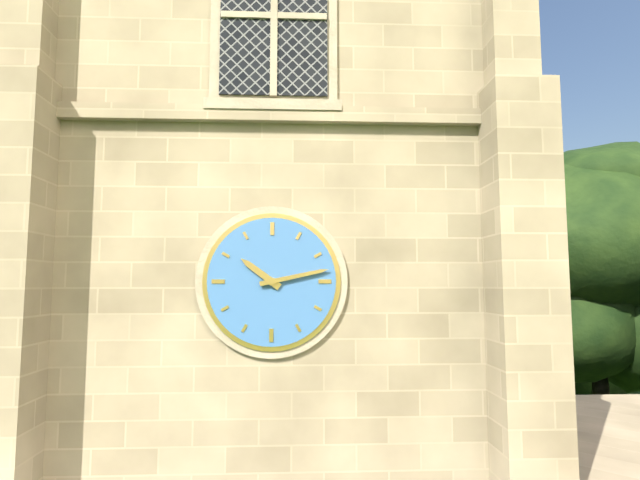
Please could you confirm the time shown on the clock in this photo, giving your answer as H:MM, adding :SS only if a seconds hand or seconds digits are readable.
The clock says 10:13
